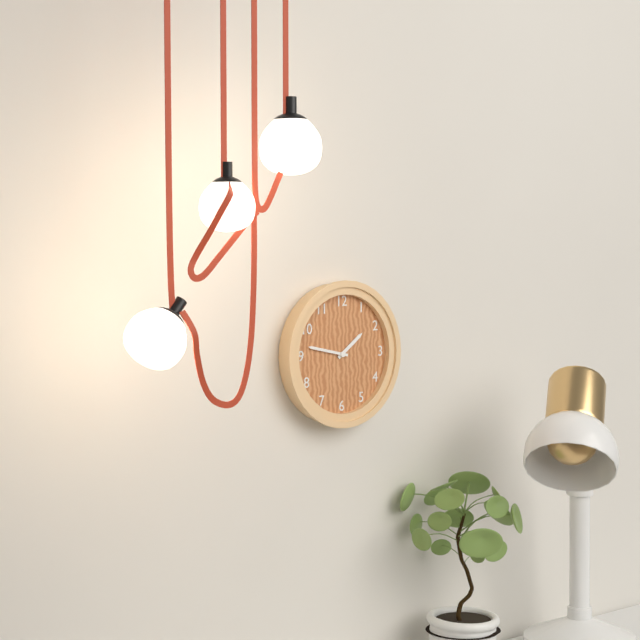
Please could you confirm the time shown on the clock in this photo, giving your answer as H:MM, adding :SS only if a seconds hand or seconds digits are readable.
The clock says 1:47
